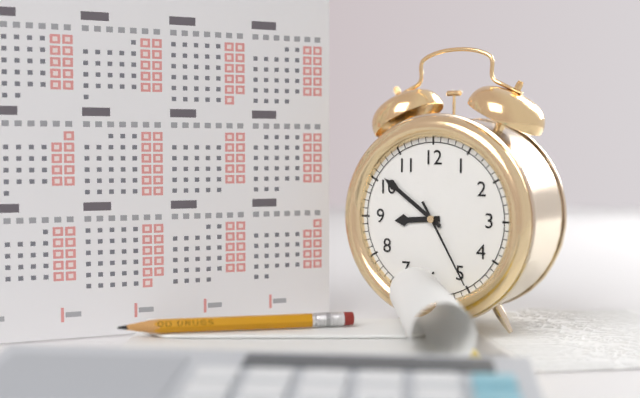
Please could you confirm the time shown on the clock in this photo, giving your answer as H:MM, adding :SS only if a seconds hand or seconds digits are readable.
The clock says 8:51:25
